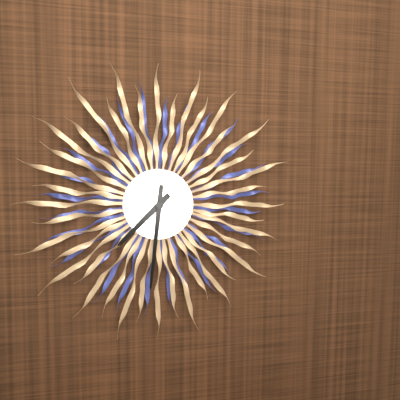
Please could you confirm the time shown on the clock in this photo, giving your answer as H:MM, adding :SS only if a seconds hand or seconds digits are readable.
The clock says 7:31
